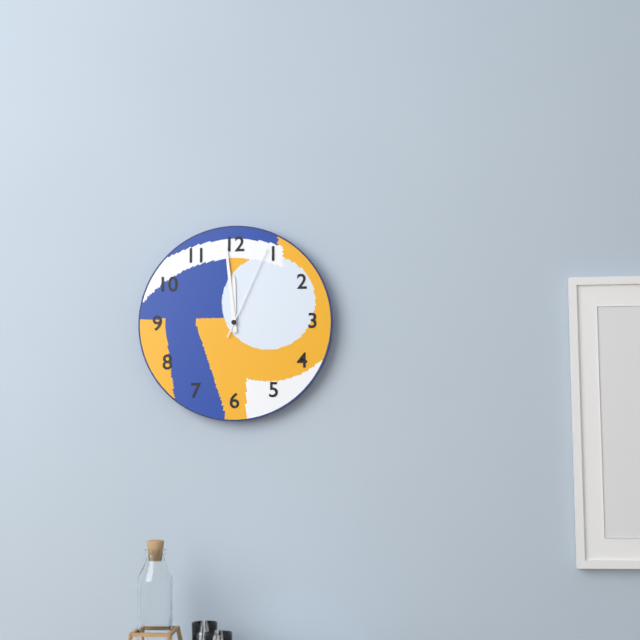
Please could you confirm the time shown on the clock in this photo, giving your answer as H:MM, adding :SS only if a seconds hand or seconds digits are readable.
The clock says 11:59:04
